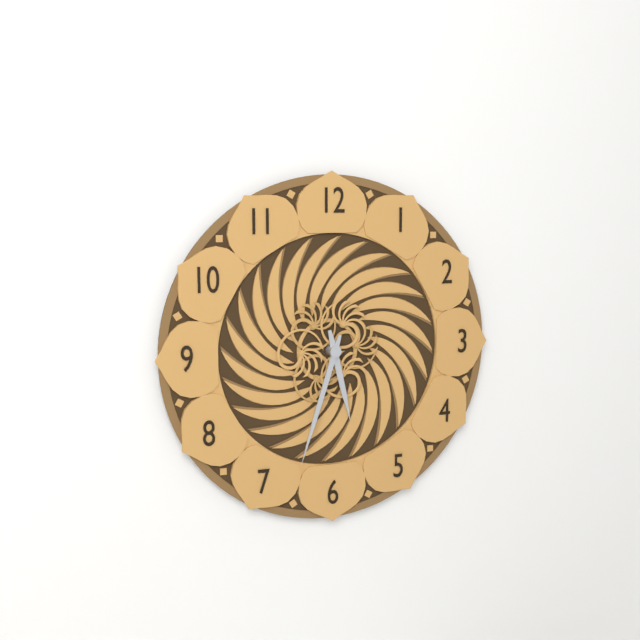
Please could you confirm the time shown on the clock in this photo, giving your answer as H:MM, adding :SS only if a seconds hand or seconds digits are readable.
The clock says 5:33
